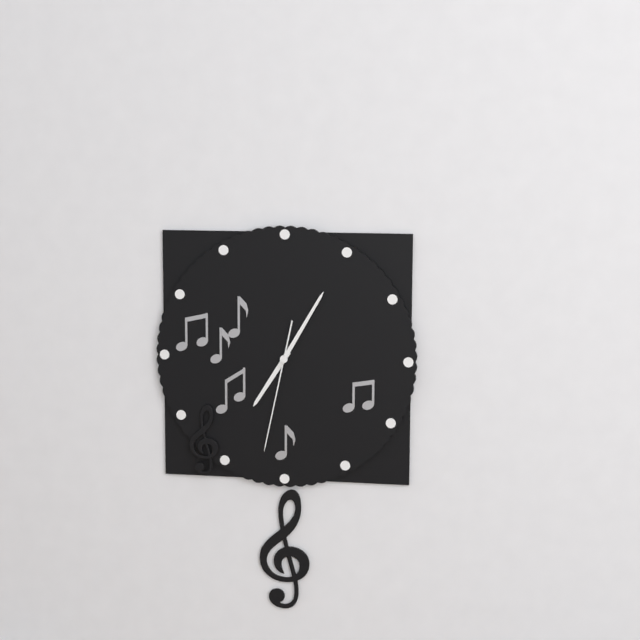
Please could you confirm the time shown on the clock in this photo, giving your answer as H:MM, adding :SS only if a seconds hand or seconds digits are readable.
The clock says 7:05:32
